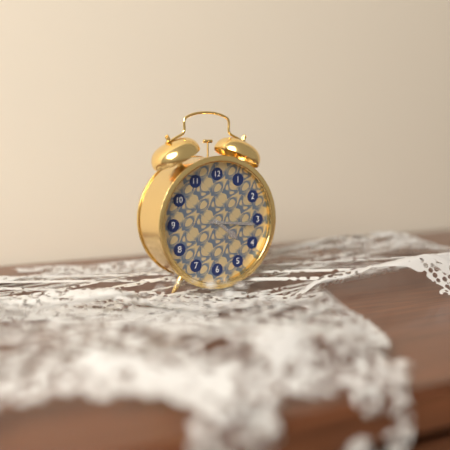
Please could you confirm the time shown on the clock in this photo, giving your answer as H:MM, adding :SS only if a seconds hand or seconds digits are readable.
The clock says 4:16
